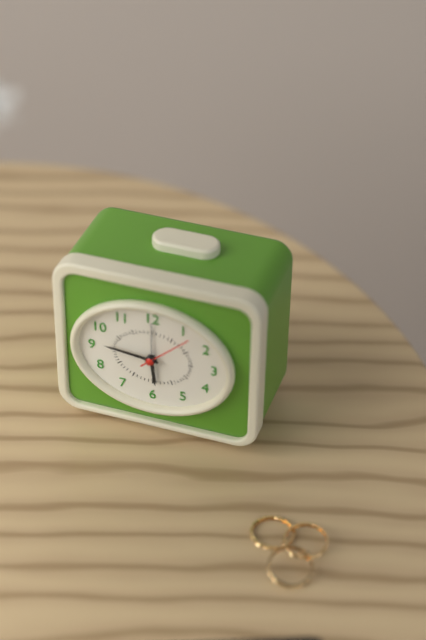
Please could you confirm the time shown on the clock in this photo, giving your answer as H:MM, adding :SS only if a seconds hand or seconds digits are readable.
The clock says 5:46
